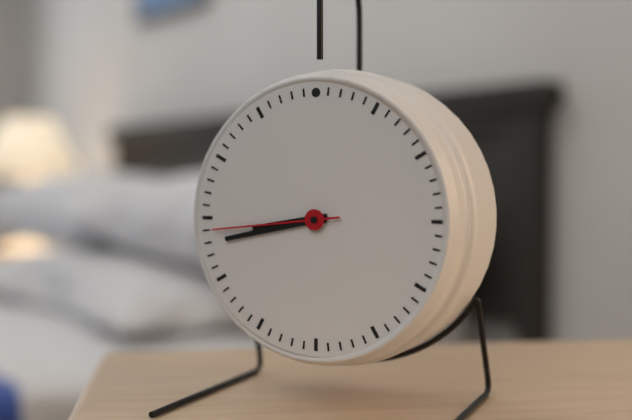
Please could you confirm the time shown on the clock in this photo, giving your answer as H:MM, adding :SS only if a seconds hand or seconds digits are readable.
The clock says 8:43:44
